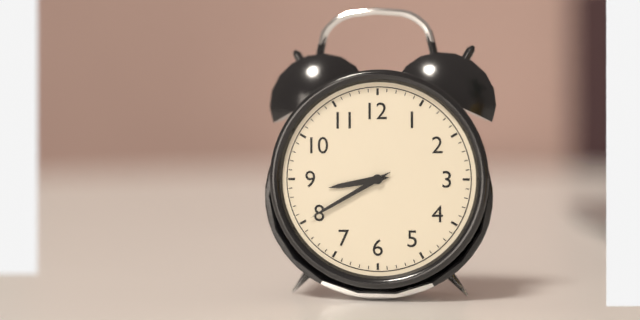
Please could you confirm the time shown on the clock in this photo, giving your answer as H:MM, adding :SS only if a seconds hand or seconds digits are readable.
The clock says 8:40
